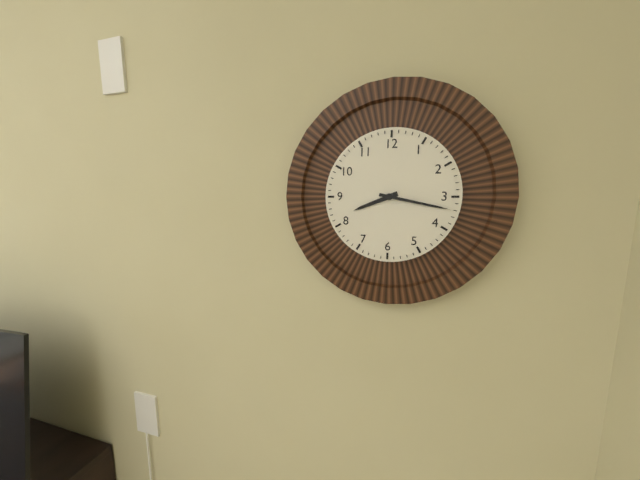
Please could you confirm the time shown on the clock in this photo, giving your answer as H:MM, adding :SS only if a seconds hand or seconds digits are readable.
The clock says 8:17
